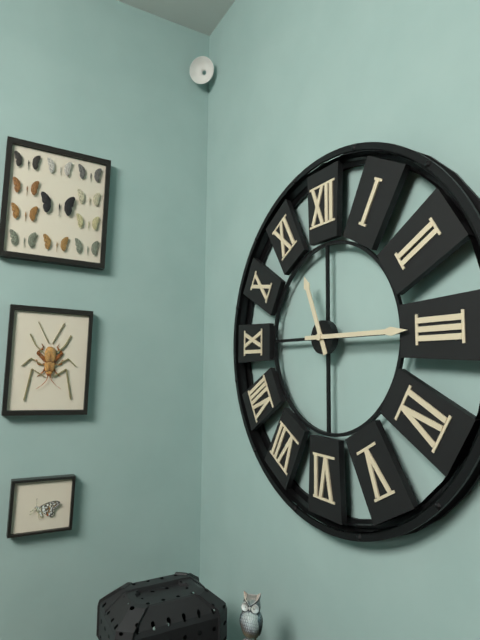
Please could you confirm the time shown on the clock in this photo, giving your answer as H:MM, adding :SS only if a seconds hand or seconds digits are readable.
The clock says 11:15
